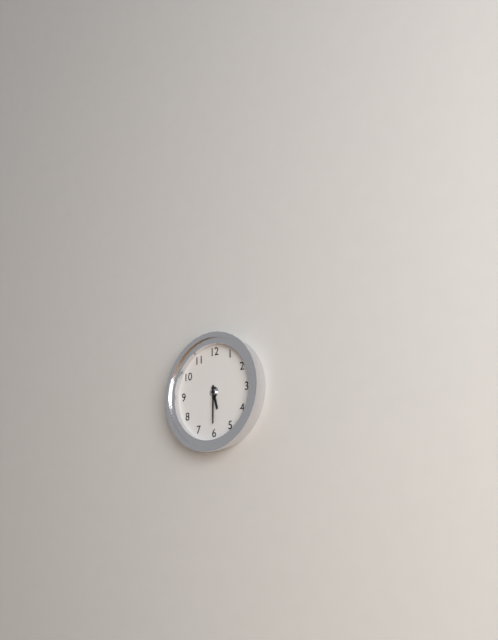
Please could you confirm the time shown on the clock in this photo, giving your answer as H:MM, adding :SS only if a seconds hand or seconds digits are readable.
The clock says 5:30
